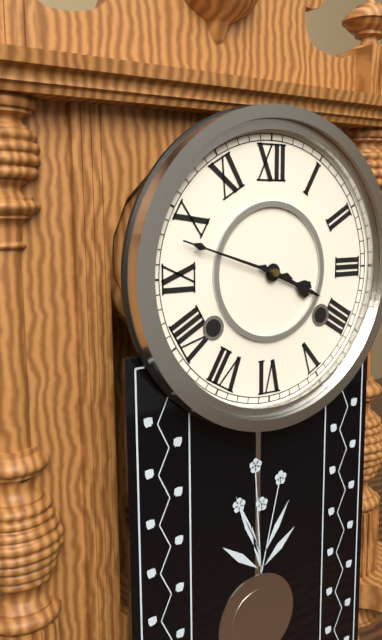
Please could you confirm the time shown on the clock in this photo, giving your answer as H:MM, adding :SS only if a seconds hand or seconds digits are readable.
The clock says 3:48
